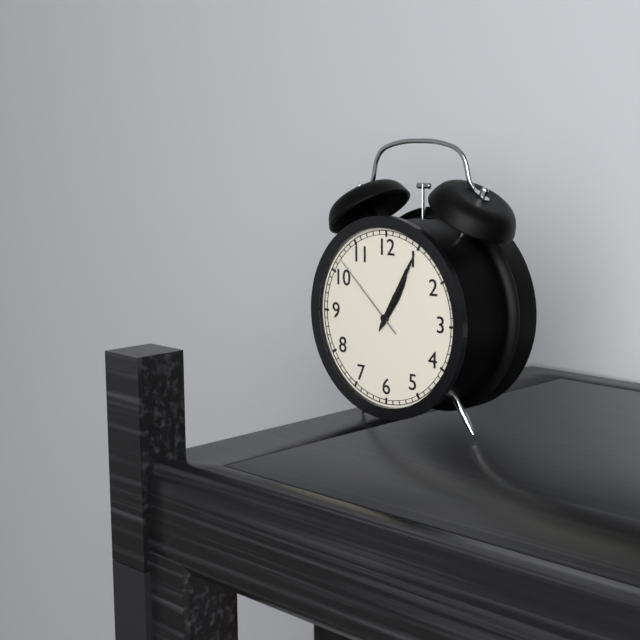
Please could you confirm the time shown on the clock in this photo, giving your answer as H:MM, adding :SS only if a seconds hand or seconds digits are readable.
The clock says 1:05:52
